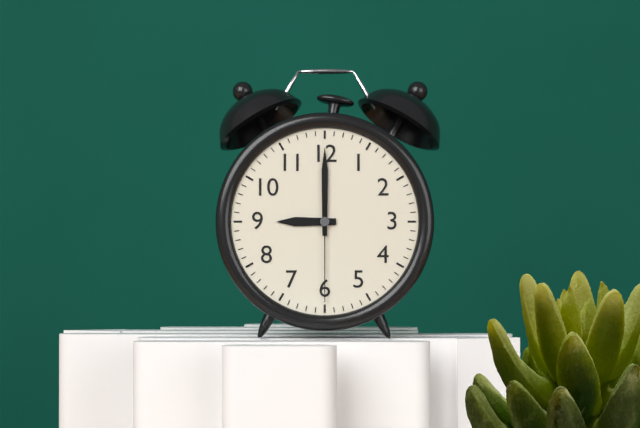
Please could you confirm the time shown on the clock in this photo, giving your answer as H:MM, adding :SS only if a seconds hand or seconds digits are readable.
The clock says 9:00:30
